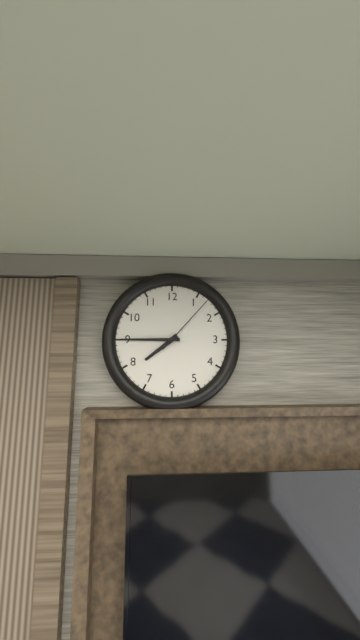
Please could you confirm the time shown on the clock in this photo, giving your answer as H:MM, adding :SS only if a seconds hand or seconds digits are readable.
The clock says 7:45:07
